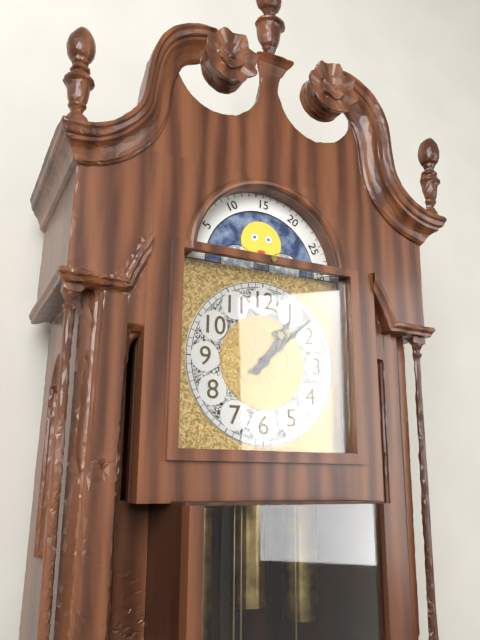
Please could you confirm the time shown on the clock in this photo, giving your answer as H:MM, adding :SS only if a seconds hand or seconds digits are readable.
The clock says 1:08
